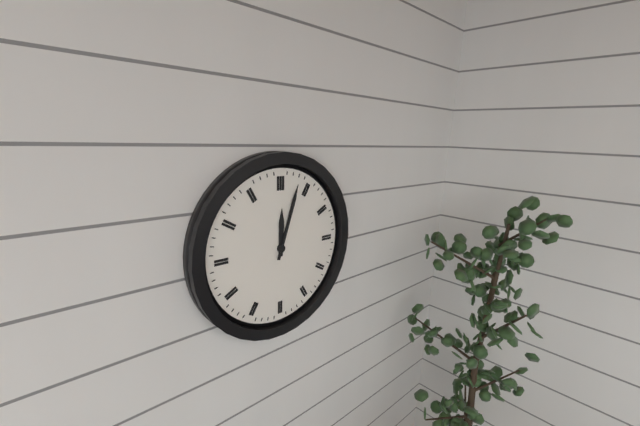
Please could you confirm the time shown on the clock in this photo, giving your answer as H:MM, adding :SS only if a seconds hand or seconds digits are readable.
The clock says 12:03
